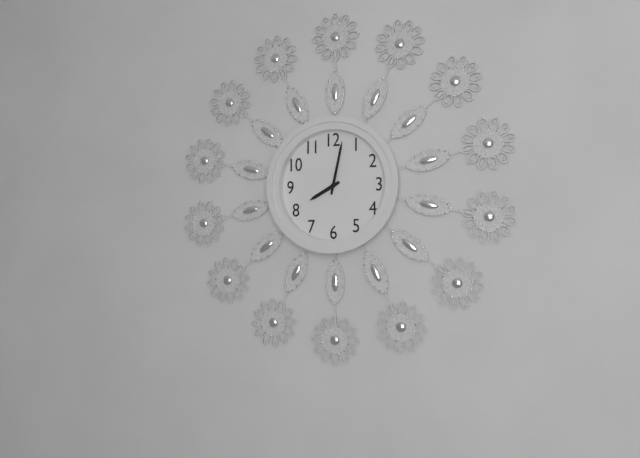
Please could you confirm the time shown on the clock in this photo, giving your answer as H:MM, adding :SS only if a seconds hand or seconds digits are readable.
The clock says 8:02
